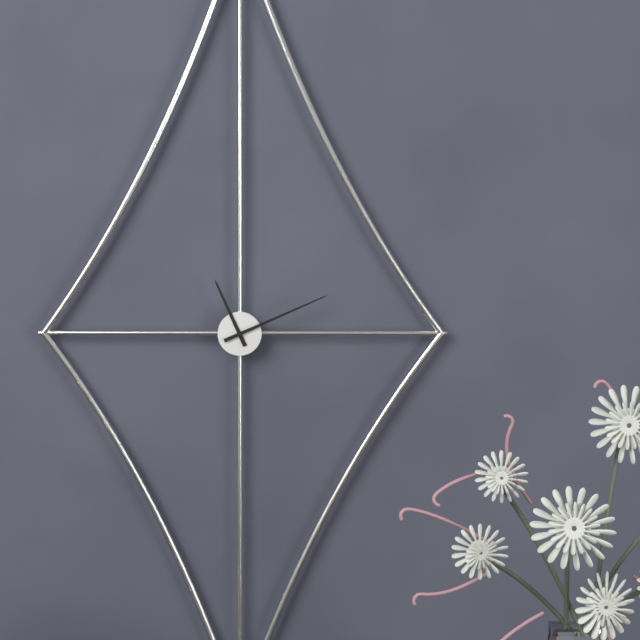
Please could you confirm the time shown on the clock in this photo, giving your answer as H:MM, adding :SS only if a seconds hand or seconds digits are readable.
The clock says 11:11
